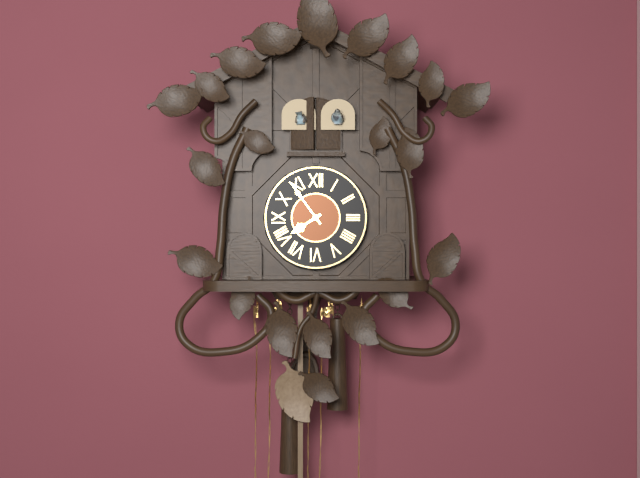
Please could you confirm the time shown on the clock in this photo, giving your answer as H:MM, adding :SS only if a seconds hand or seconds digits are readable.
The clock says 7:54
